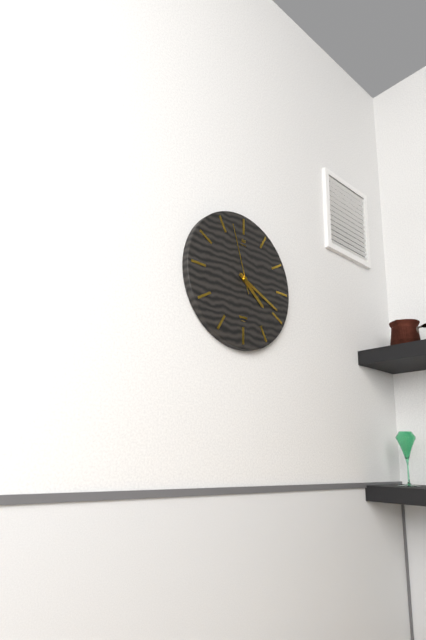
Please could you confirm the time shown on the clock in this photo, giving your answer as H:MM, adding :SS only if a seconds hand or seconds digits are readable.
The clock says 4:19:57
